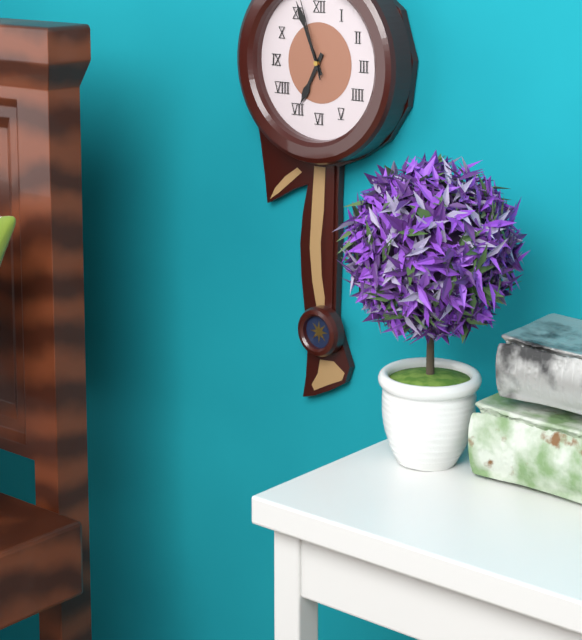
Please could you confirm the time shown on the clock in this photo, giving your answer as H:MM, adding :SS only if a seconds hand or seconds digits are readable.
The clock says 6:56
